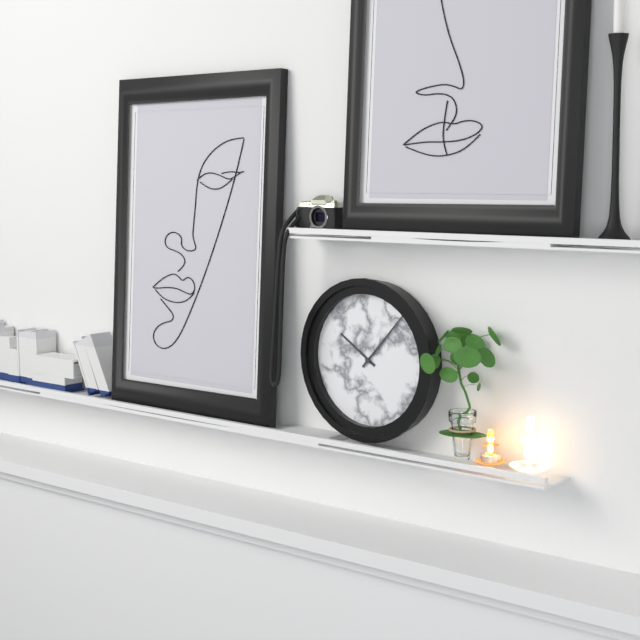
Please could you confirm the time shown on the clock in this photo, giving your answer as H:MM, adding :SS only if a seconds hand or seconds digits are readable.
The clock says 10:07
